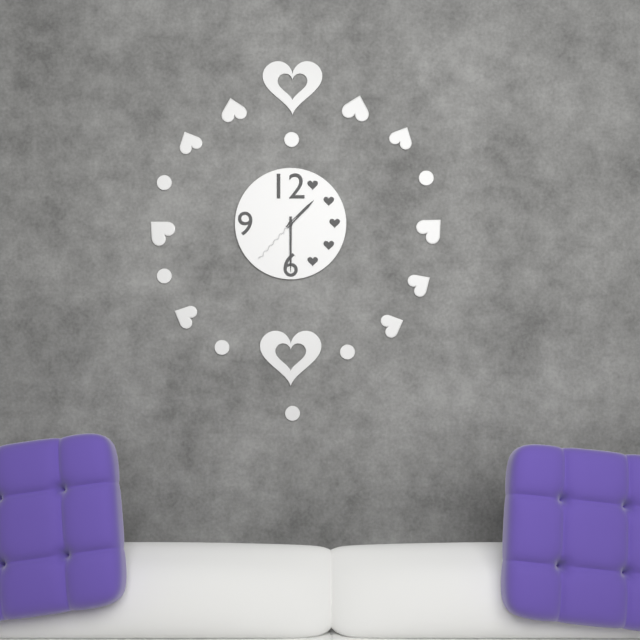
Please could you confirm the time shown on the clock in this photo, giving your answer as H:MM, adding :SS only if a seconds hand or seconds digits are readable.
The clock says 1:30:37
